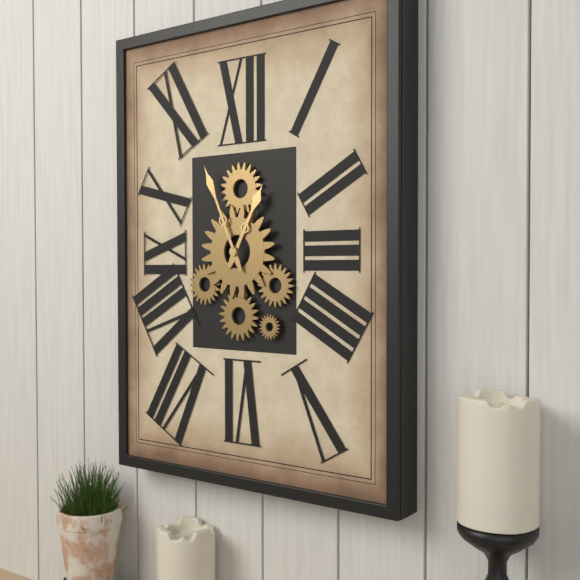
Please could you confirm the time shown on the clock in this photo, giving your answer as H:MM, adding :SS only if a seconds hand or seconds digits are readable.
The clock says 12:56
